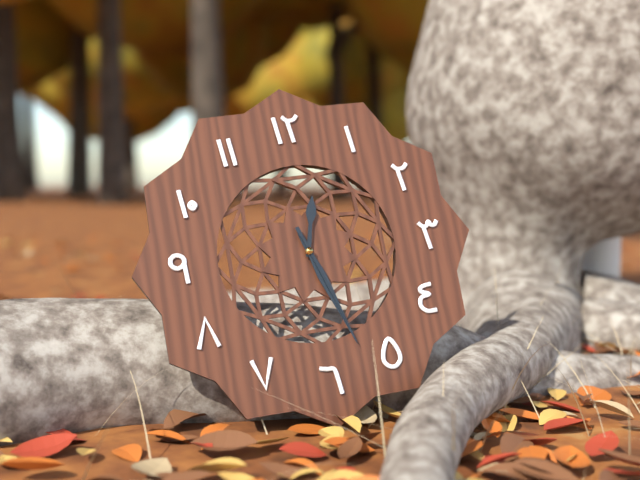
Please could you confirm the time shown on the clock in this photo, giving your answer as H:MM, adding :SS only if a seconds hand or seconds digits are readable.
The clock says 12:27:27
